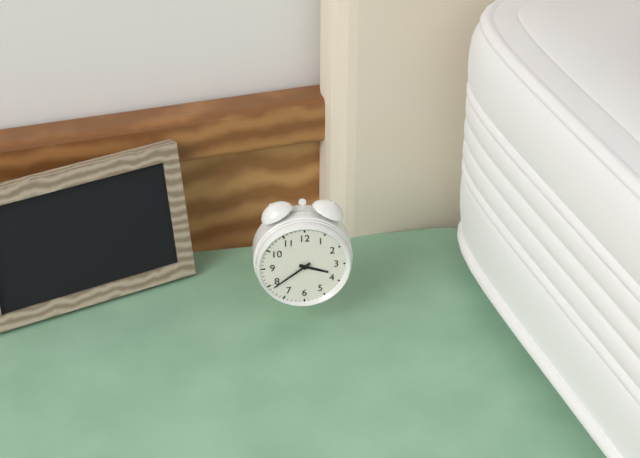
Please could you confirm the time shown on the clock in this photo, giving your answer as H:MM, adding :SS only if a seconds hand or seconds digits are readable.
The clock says 3:39
